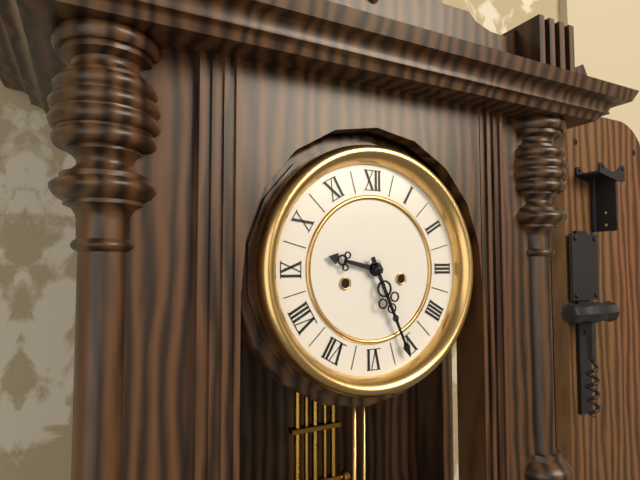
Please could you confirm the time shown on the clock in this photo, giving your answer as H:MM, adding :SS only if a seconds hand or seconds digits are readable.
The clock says 9:26
